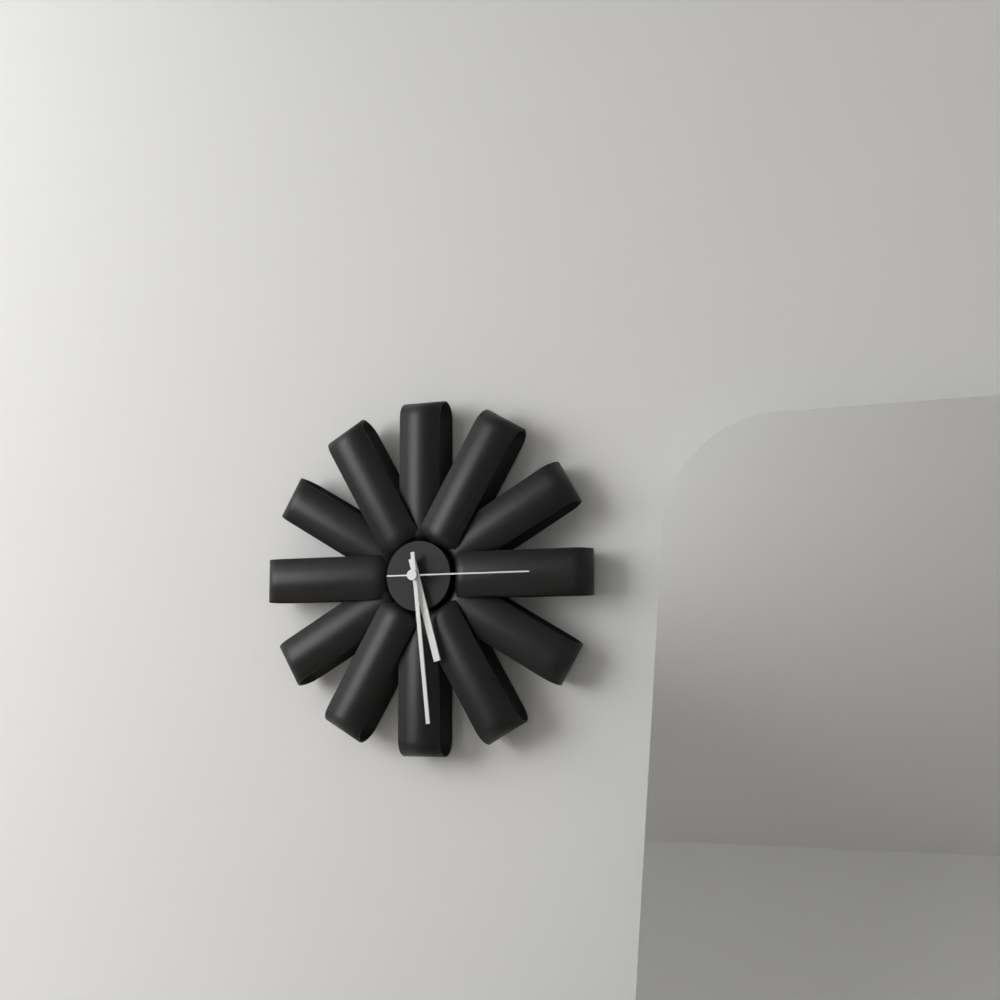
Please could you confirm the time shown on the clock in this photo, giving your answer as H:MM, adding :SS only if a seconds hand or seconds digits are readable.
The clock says 5:29:15
